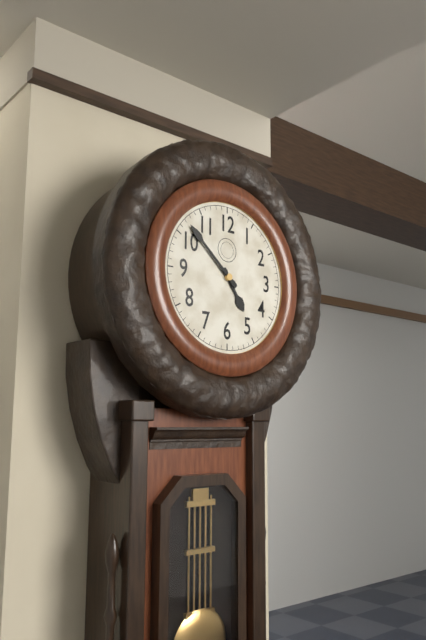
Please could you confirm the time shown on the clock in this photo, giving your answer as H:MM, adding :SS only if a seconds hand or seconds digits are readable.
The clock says 4:52
